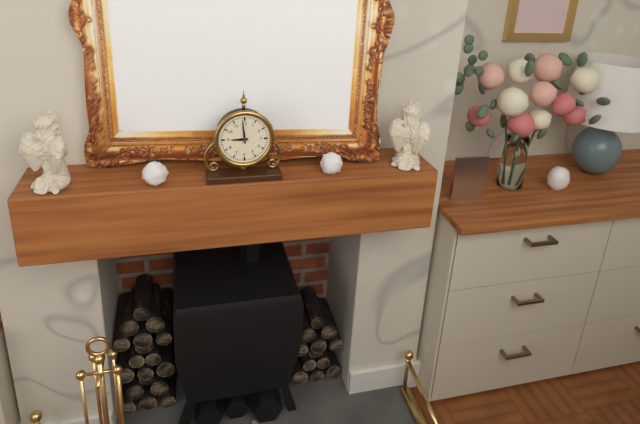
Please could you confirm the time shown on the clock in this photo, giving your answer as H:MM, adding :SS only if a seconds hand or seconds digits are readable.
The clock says 8:59
